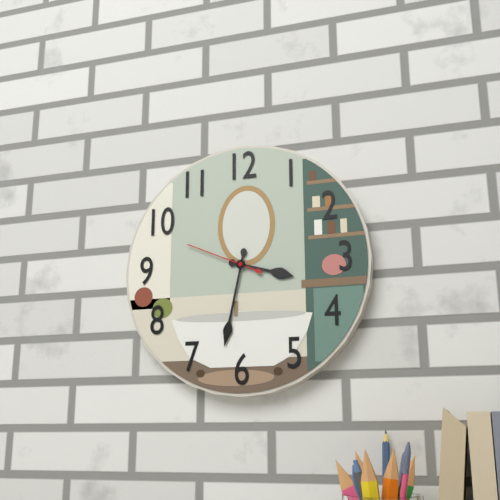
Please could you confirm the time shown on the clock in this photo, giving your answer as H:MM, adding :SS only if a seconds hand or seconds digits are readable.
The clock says 3:32:49
